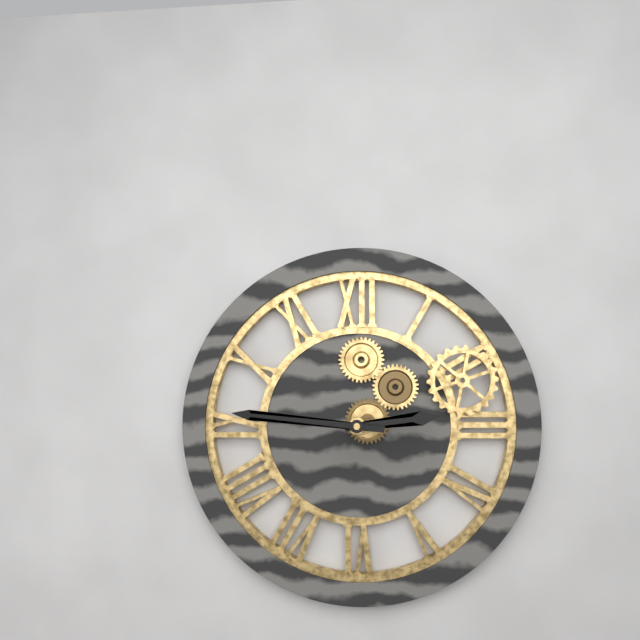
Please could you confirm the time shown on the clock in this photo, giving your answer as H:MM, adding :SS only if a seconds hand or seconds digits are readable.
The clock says 2:46
